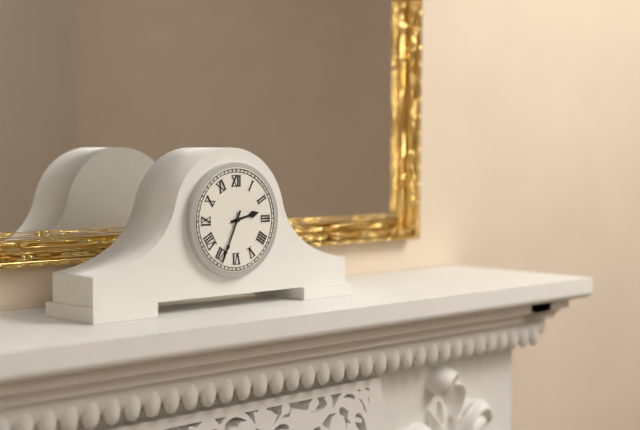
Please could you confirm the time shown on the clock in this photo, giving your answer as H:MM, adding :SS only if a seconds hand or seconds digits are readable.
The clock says 2:34
